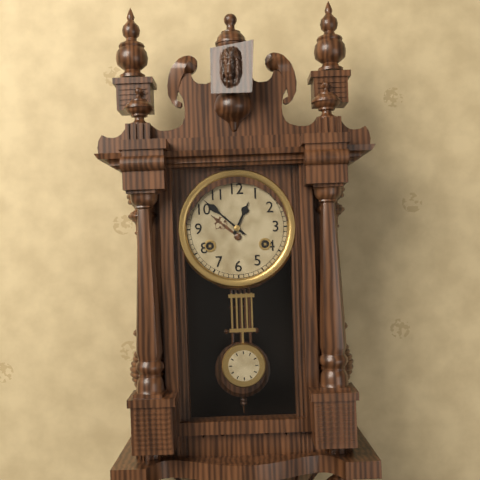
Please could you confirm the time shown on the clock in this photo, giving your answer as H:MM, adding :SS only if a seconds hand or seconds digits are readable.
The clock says 12:52
